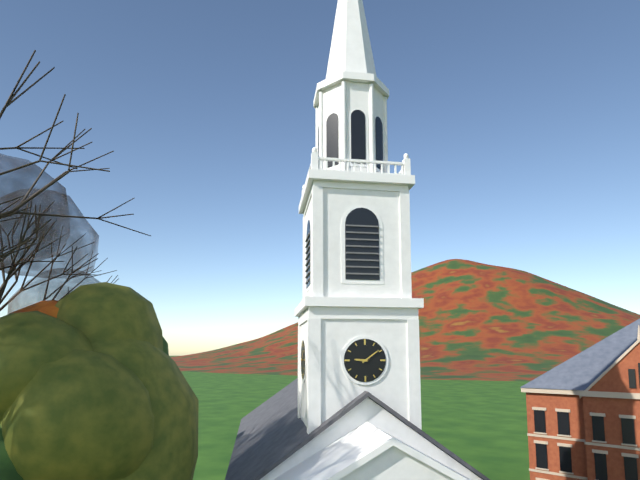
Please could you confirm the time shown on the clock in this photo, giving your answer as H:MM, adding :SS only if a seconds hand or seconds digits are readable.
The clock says 9:09
